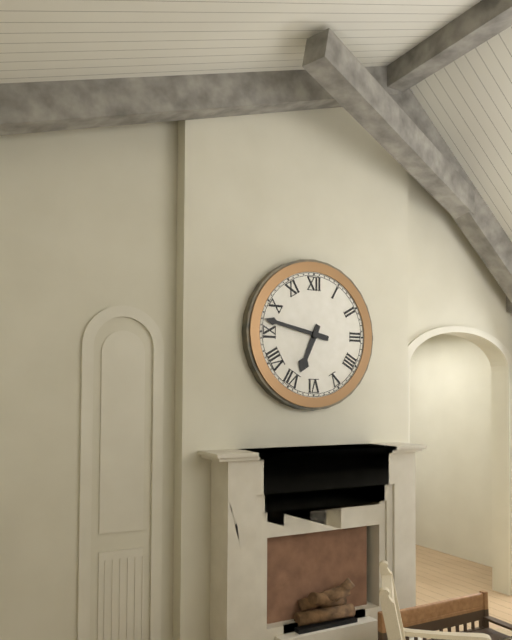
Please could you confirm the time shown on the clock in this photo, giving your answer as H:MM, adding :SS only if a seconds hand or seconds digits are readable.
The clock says 6:47
